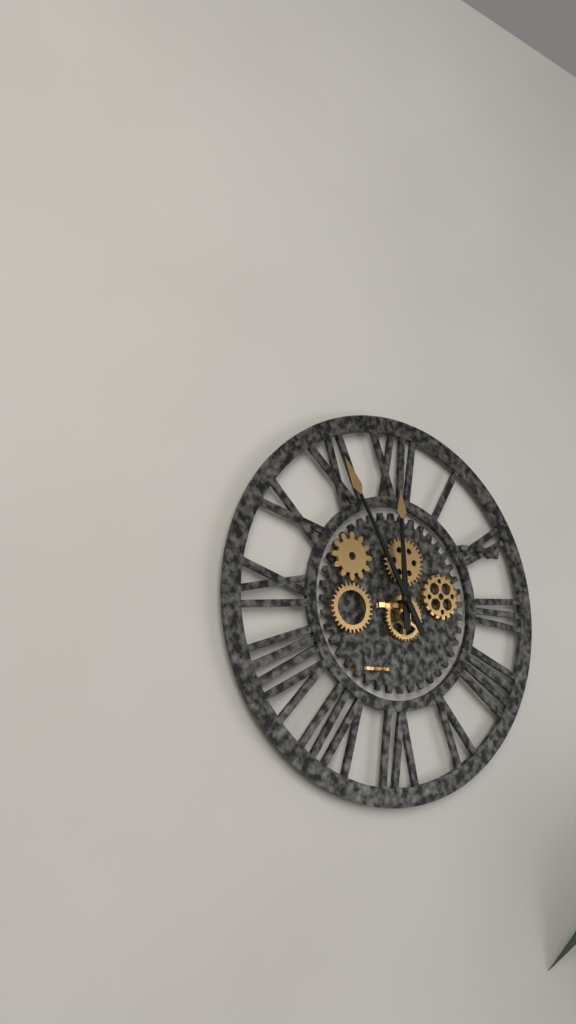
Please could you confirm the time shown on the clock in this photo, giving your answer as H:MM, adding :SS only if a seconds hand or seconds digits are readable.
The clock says 11:55
